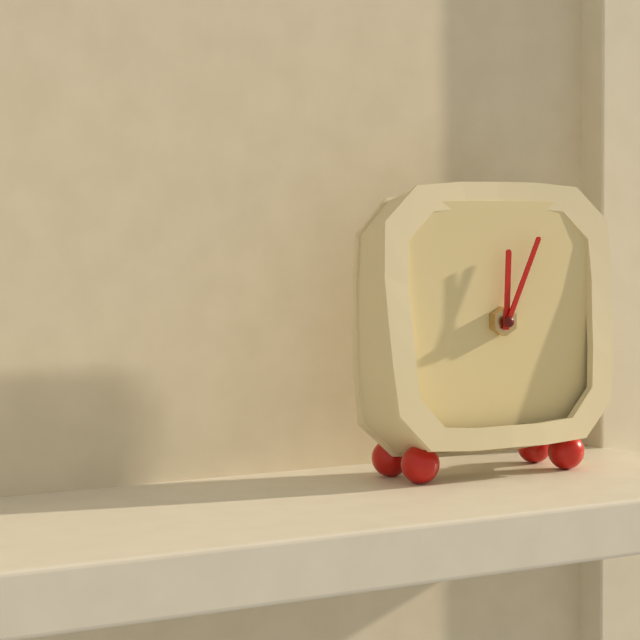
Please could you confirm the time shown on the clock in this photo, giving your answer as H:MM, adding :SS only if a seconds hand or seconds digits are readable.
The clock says 12:04
